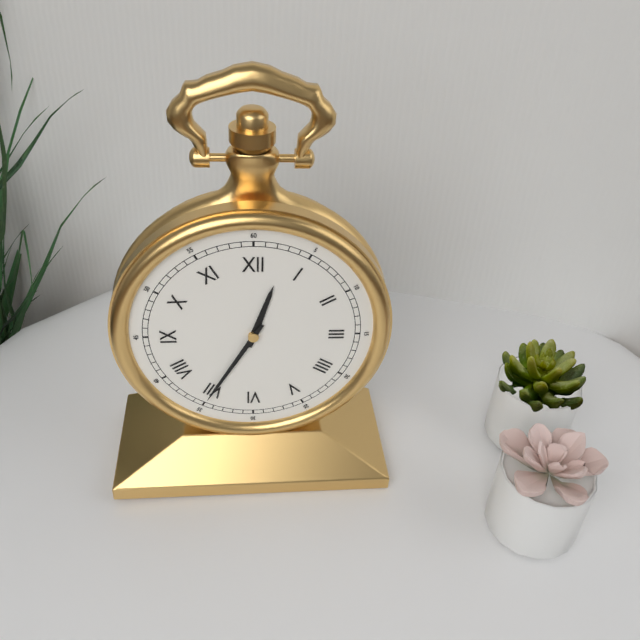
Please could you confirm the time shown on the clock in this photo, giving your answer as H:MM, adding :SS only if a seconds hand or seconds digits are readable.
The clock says 12:35
